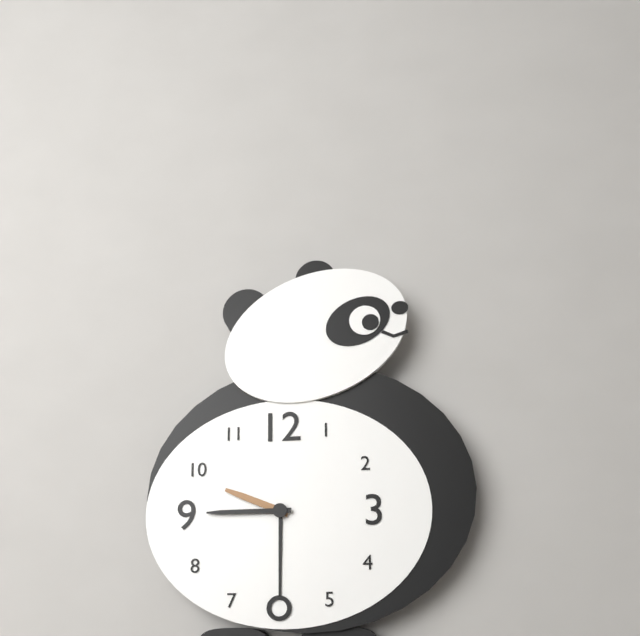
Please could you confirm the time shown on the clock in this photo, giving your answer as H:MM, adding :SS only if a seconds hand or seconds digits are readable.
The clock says 9:45
